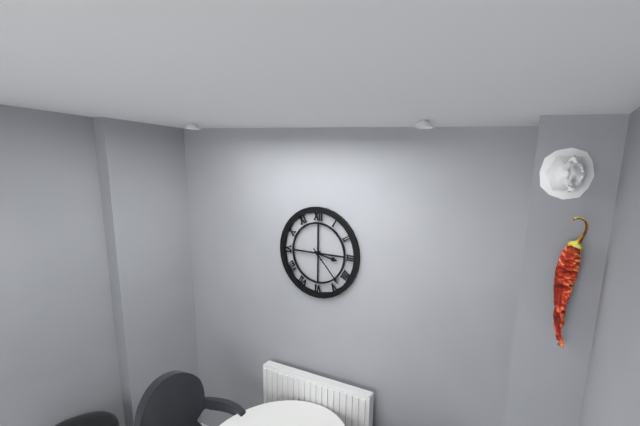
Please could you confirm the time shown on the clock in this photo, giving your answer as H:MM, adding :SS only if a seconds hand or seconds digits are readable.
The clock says 3:23
